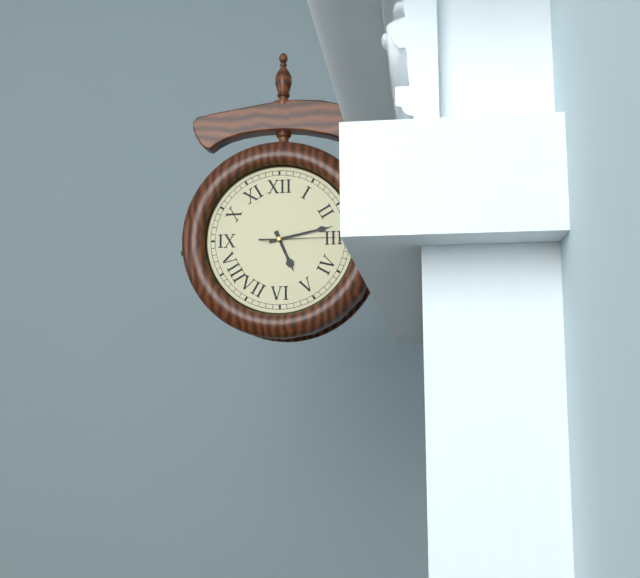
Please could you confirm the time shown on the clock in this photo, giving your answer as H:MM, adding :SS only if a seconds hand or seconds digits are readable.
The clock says 5:13:15
